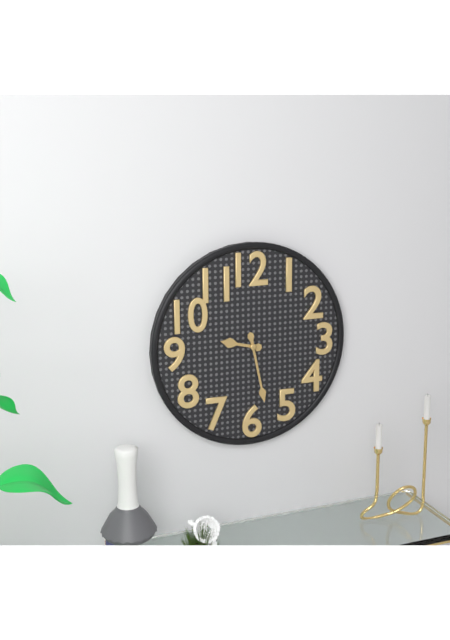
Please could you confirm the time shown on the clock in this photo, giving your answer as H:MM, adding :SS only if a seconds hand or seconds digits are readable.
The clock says 9:28
